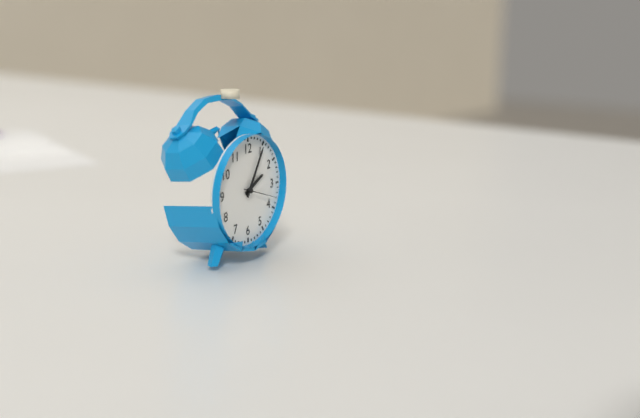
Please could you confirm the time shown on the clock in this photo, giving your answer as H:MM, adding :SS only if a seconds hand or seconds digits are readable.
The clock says 2:05
